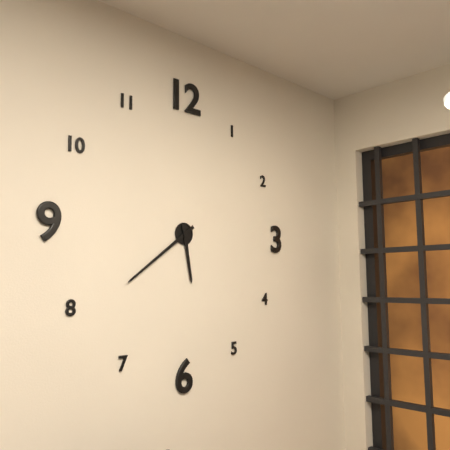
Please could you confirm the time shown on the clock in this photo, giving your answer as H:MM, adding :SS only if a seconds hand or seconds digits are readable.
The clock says 5:39
